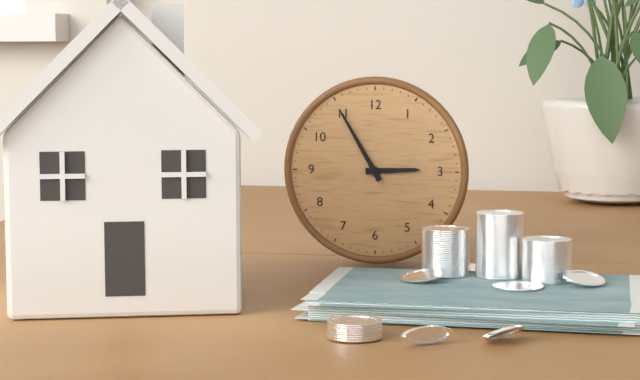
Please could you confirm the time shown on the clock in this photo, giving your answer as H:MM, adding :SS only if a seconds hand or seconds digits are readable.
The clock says 2:55
